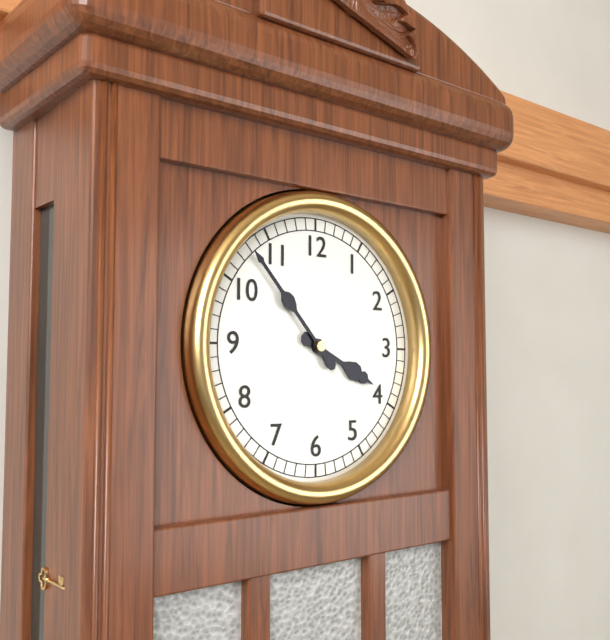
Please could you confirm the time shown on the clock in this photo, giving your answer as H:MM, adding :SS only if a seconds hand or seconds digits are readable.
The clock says 3:53
